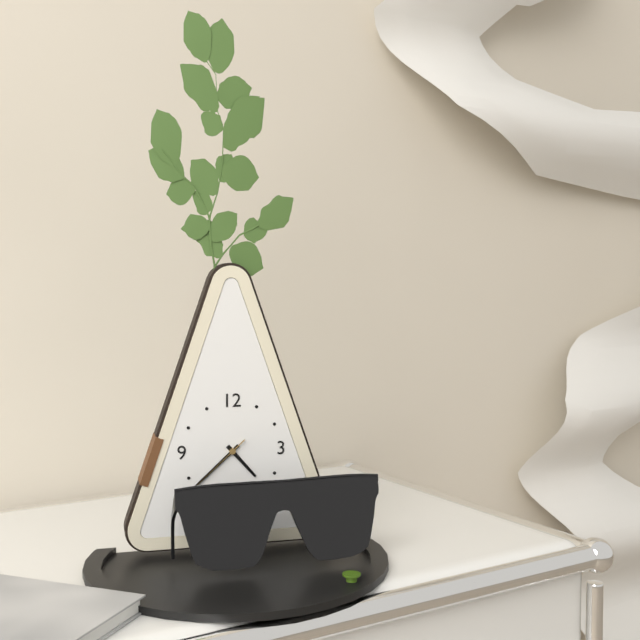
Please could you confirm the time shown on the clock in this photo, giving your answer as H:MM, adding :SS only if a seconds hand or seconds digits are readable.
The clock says 4:38:38
